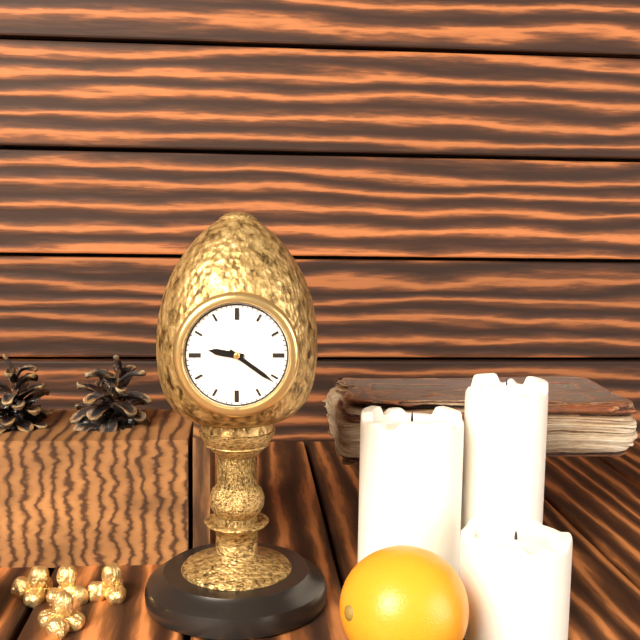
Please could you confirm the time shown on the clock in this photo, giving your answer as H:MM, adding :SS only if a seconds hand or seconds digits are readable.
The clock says 9:21
